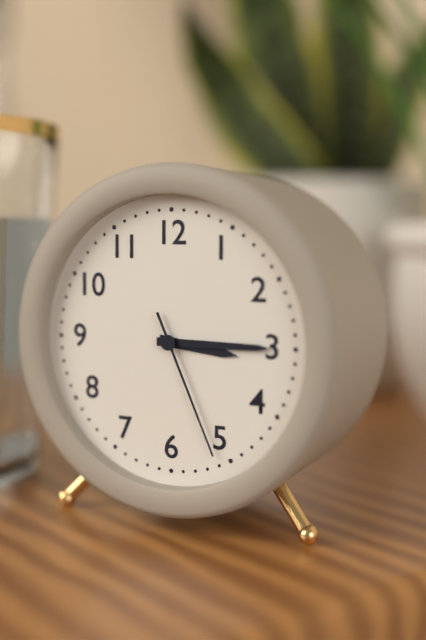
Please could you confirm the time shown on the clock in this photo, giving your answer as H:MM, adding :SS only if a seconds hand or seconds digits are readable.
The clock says 3:15:26
